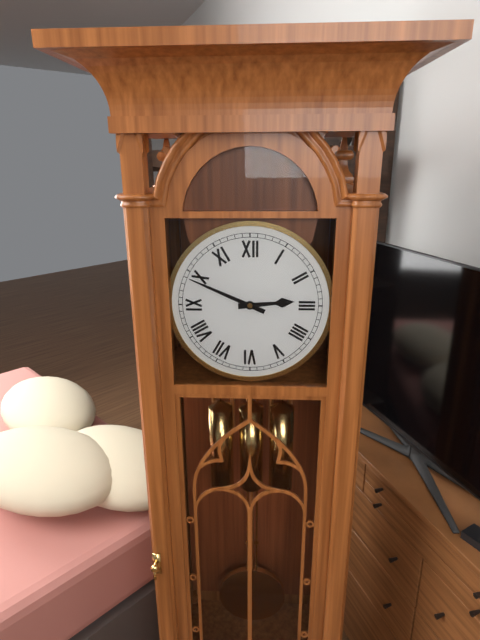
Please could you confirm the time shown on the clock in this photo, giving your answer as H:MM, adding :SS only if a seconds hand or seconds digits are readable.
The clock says 2:49
